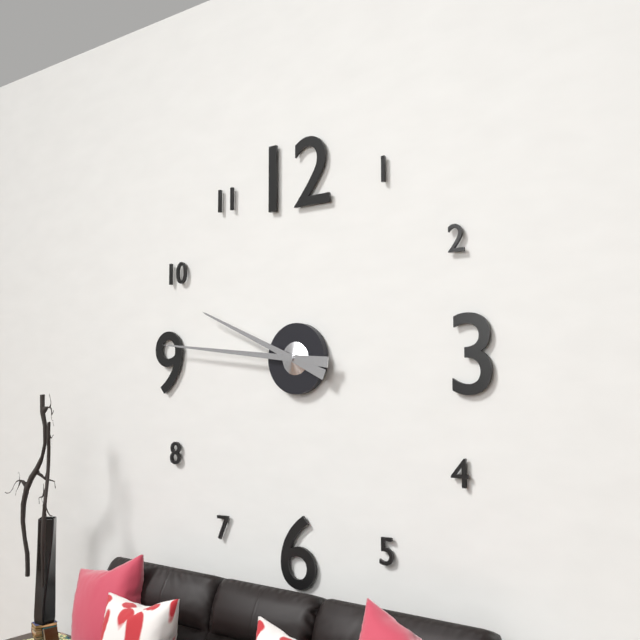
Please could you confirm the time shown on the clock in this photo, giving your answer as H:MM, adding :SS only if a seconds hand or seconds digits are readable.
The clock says 9:46
